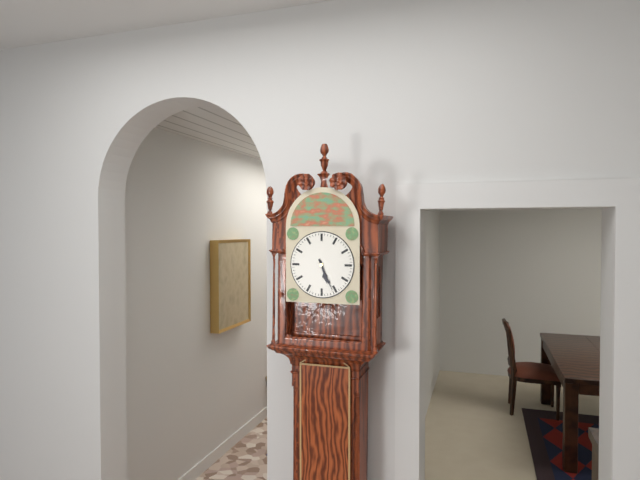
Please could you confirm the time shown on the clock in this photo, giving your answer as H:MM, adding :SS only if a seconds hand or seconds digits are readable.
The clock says 5:26
